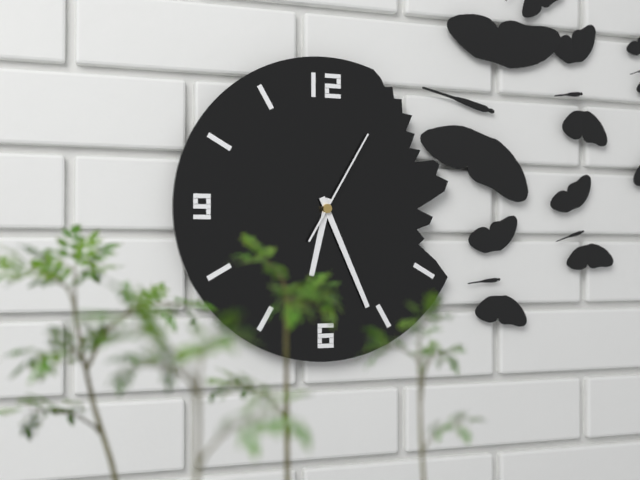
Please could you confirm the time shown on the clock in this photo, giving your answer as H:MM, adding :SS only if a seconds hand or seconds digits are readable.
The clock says 6:26:05
